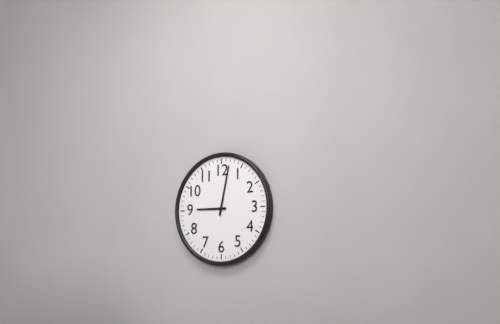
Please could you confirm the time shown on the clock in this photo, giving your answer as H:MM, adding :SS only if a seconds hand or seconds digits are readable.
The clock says 9:02
